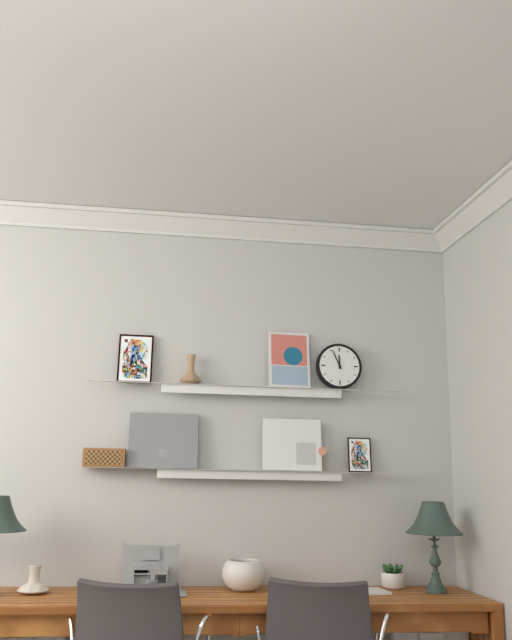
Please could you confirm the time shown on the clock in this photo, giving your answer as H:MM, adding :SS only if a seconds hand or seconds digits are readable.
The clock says 11:56
